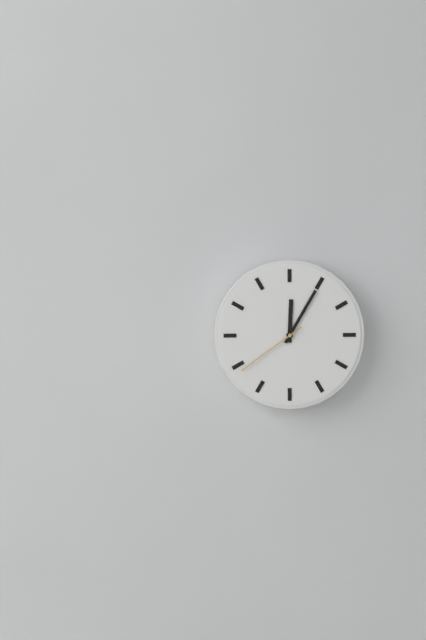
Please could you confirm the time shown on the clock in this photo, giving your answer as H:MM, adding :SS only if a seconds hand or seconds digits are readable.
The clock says 12:05:39
